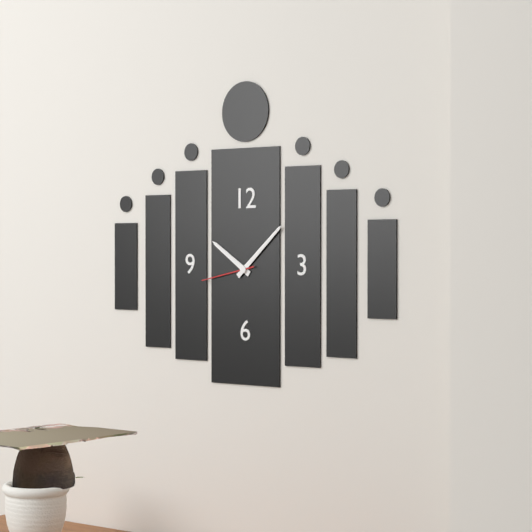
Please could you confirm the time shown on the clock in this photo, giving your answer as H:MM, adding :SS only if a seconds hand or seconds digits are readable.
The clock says 10:08:43
